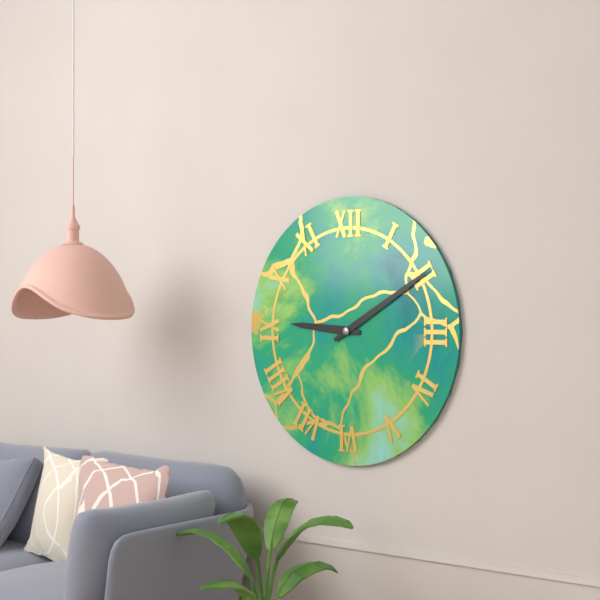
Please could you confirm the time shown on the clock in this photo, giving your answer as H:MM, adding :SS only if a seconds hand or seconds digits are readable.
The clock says 9:10
